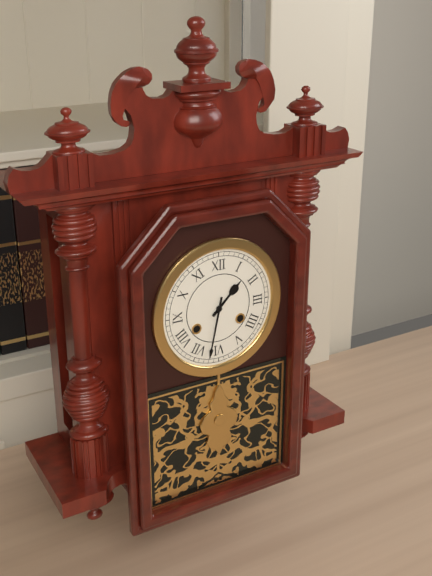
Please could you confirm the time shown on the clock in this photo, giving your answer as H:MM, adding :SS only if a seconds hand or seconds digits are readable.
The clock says 1:32
